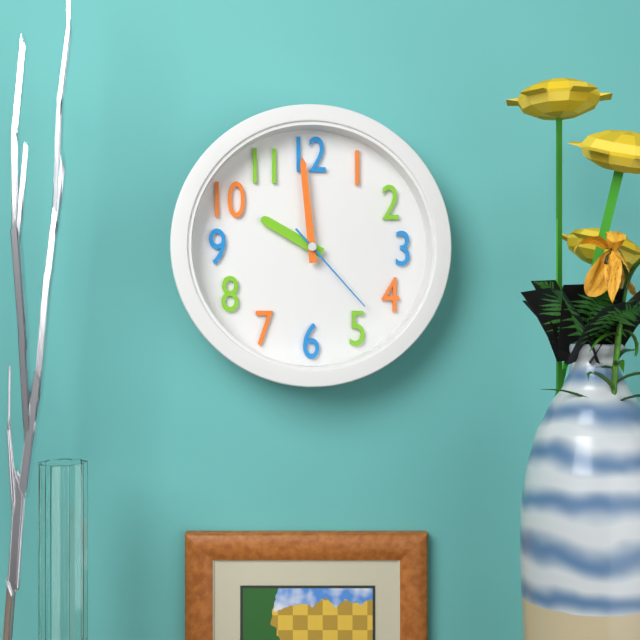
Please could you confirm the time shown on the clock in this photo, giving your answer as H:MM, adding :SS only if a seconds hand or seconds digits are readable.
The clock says 9:59:23
